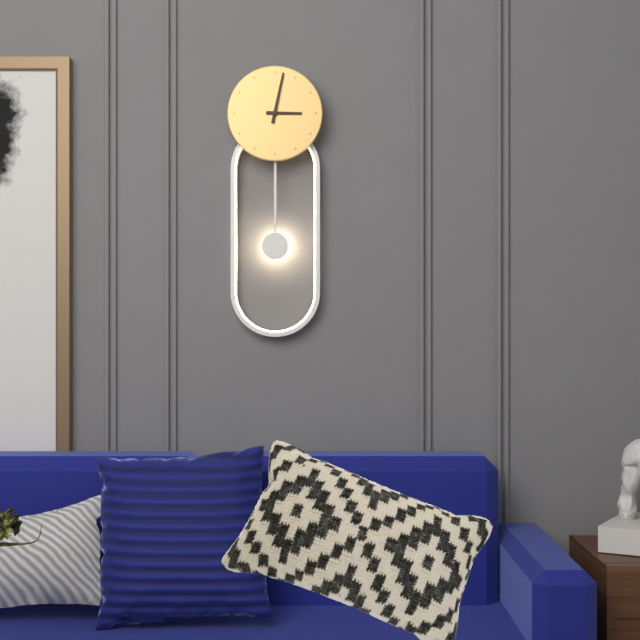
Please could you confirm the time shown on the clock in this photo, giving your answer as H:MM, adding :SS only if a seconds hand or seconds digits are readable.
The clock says 3:02
